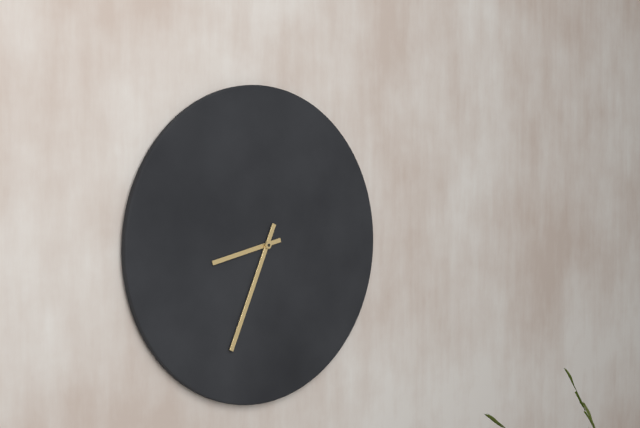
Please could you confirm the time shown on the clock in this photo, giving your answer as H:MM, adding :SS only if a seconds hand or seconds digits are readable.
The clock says 8:34
